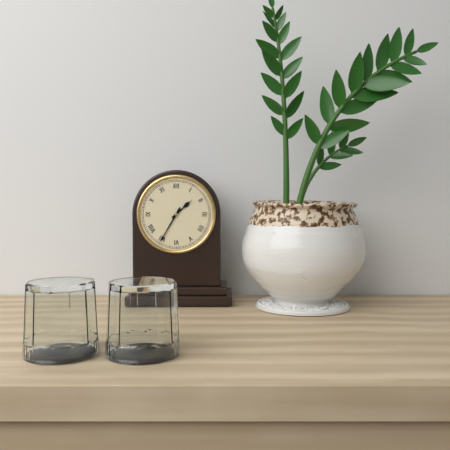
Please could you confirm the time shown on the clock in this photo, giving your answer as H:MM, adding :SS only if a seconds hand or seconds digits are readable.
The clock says 1:35
